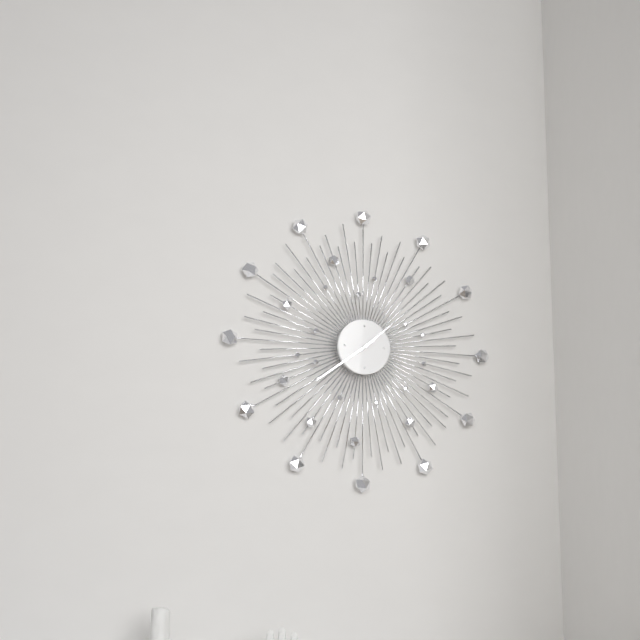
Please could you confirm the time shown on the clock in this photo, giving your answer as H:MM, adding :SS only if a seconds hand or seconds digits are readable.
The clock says 1:39
